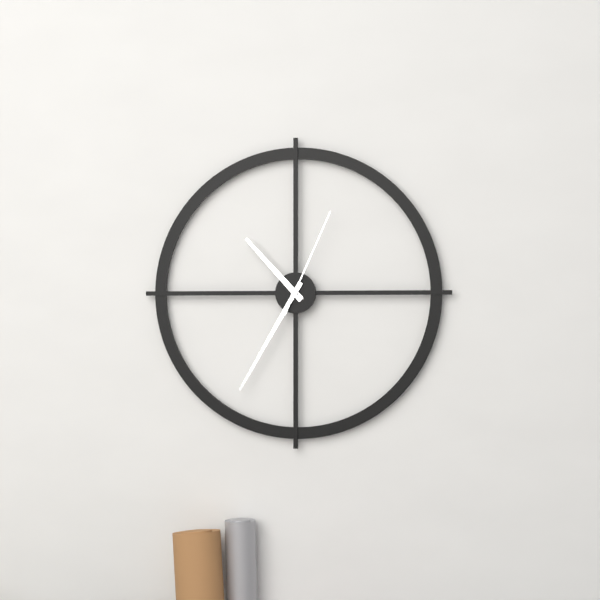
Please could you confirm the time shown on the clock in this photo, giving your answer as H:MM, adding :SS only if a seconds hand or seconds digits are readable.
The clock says 10:35:04
